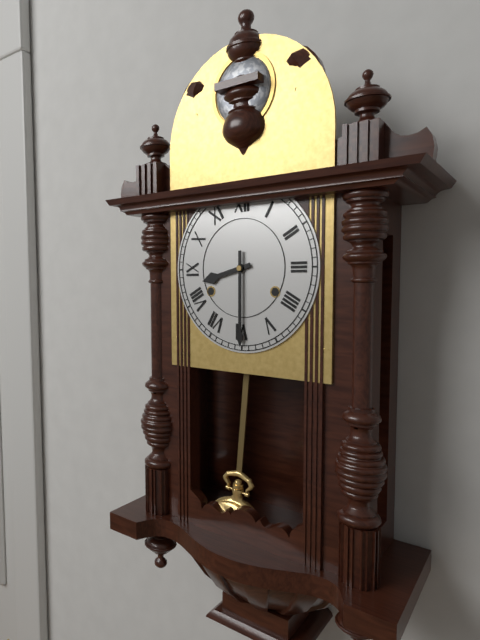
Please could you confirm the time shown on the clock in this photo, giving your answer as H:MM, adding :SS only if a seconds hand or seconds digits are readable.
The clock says 8:30
